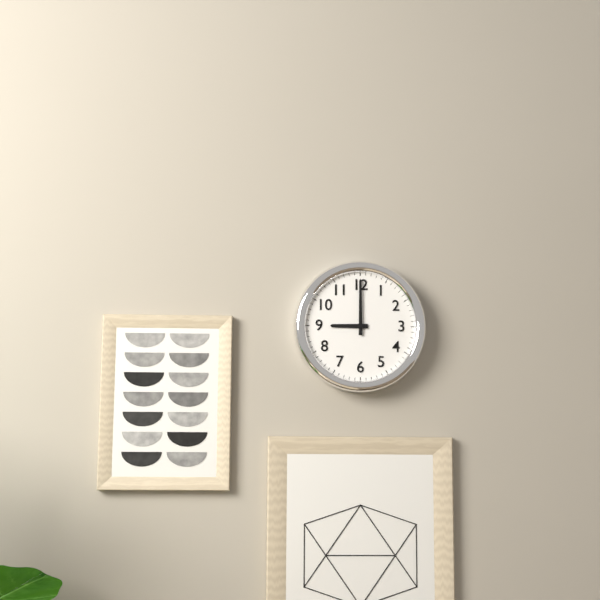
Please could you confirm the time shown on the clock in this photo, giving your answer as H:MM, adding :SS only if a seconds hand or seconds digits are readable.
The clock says 9:00
